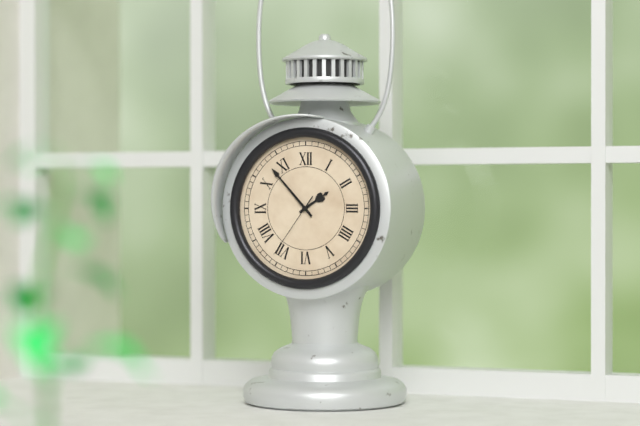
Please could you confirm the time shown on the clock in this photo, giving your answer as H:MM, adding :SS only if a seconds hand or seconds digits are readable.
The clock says 1:53:36
